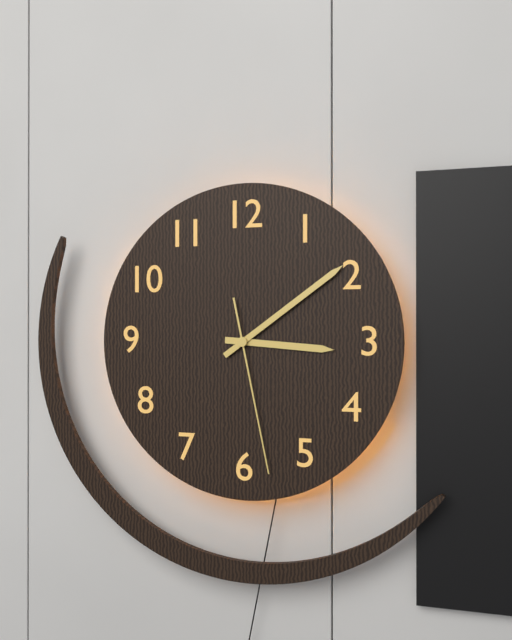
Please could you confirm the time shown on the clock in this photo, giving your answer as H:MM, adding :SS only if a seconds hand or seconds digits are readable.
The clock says 3:09:28
